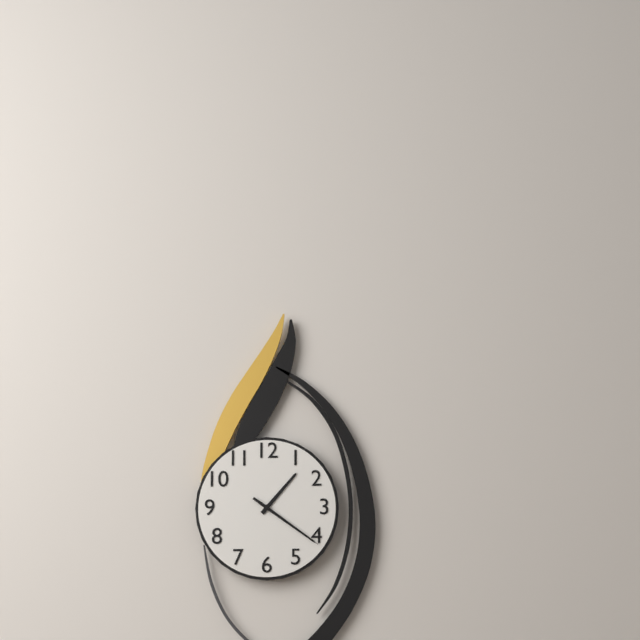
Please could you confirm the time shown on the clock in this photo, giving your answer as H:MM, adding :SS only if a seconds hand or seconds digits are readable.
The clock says 1:21:21
